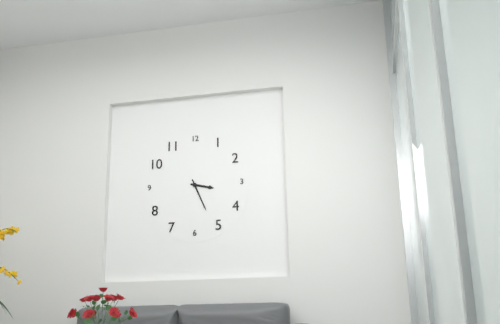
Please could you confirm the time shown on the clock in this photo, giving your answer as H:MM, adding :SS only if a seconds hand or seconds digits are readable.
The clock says 3:26
